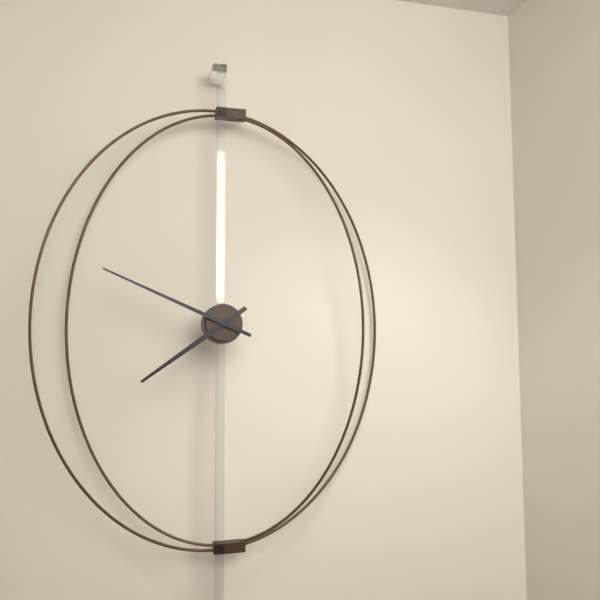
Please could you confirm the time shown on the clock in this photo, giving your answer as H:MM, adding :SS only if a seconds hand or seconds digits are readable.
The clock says 7:49
